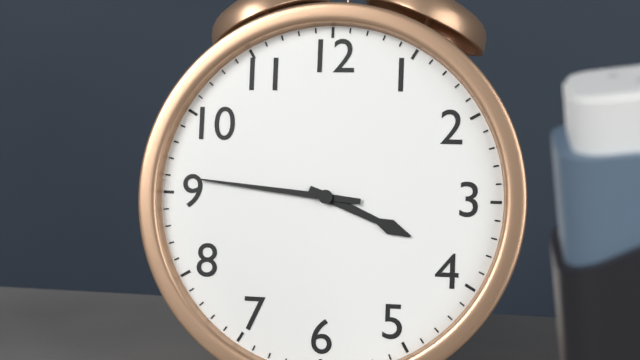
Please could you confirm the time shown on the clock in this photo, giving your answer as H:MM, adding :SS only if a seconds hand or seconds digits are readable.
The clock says 3:46
